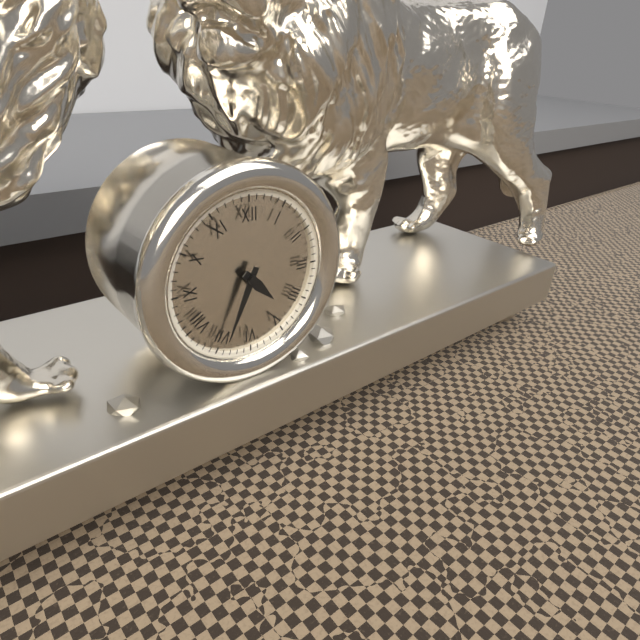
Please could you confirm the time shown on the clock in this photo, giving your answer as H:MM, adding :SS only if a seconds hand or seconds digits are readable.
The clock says 4:34
